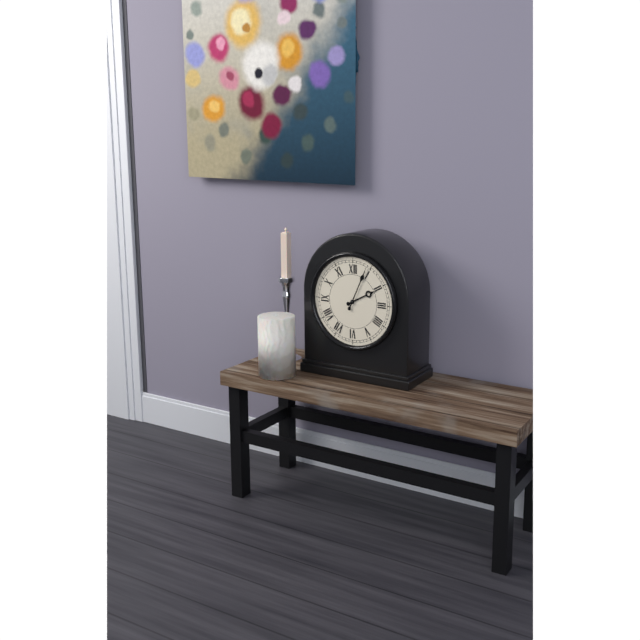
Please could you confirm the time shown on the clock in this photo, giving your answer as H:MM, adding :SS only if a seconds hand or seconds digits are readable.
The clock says 2:04
